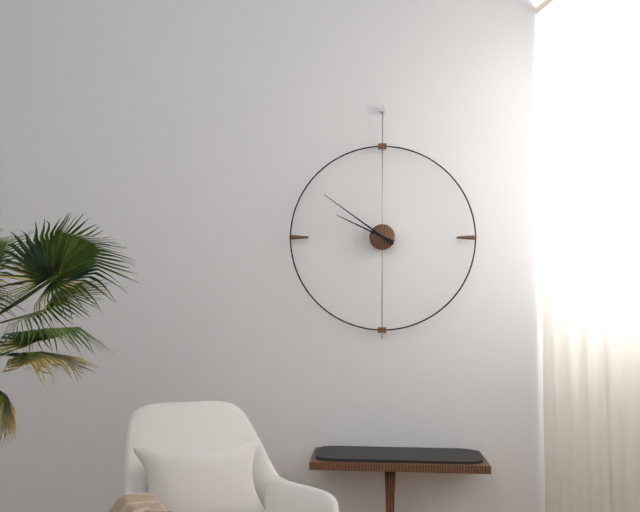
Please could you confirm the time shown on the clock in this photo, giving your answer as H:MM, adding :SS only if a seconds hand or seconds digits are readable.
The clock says 9:51
